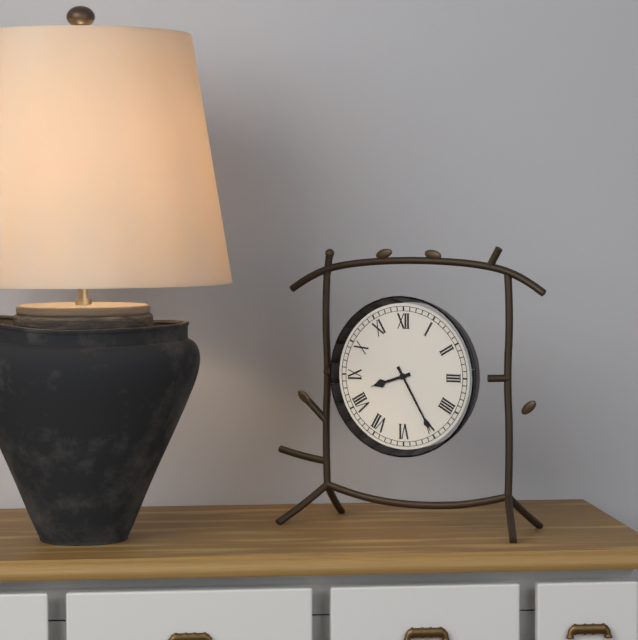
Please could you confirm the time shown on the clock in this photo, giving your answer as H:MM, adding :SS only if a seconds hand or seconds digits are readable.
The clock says 8:25
